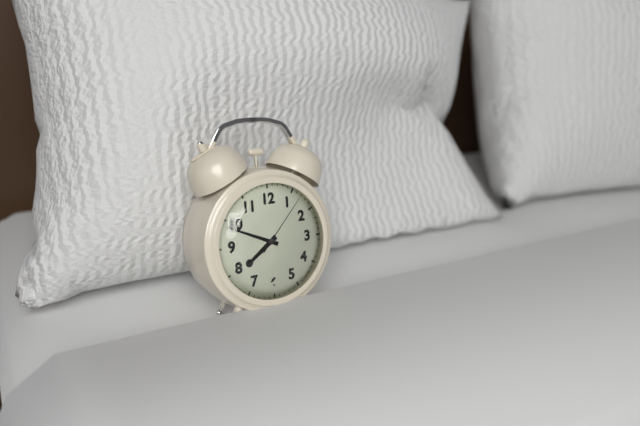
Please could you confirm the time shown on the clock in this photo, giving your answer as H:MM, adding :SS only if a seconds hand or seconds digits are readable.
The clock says 7:49:07
